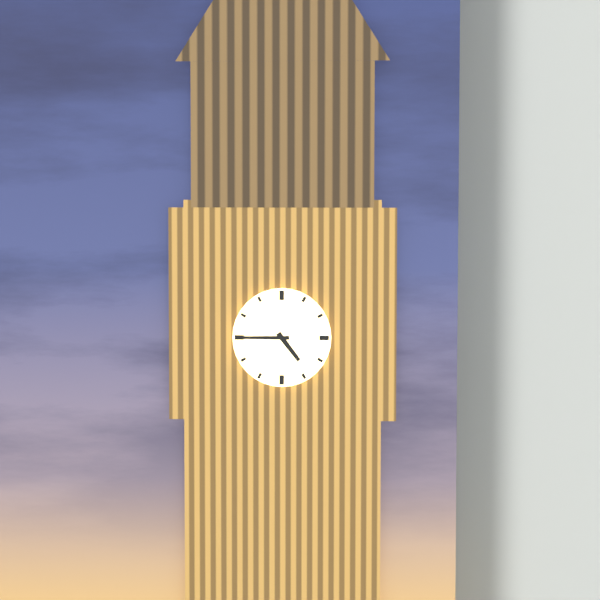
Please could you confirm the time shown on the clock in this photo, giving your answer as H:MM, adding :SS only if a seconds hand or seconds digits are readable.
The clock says 4:45
